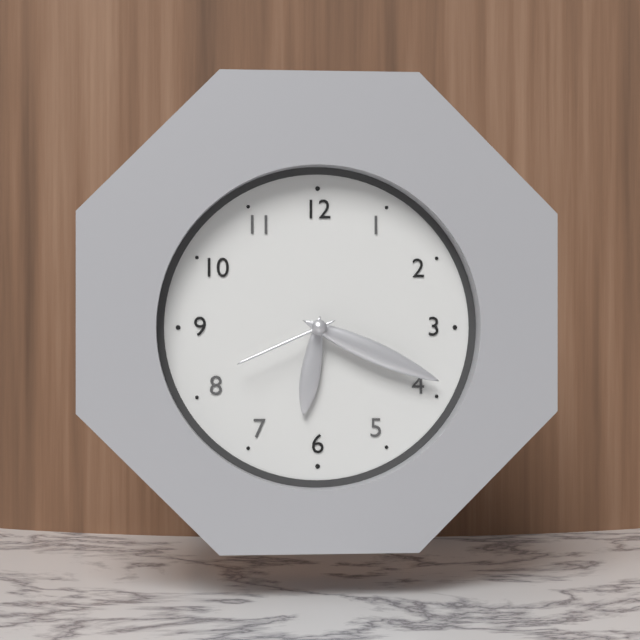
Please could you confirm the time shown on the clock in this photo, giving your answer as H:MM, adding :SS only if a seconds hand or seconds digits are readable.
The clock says 6:19:41
